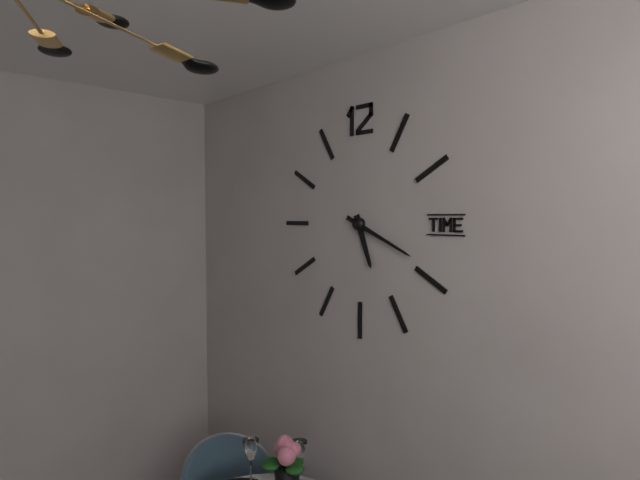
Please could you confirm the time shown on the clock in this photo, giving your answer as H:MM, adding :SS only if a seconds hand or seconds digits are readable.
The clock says 5:19
